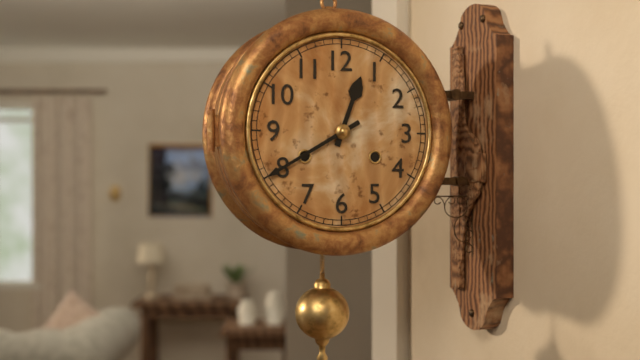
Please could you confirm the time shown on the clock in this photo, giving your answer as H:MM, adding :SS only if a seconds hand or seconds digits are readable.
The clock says 12:40
